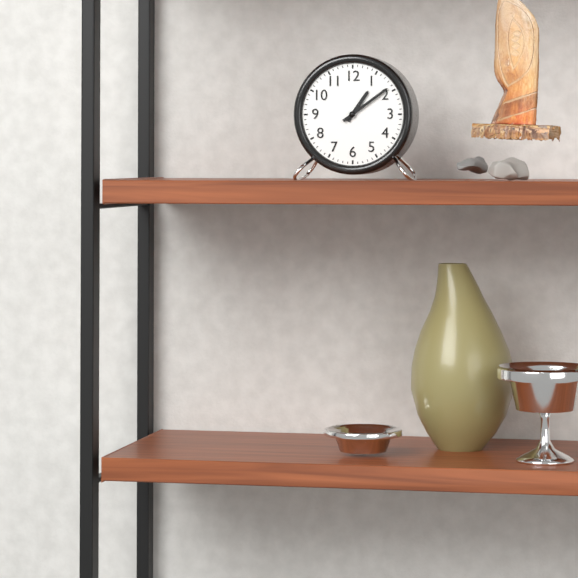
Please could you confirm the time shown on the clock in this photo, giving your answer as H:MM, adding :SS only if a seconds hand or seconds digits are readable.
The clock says 1:09
